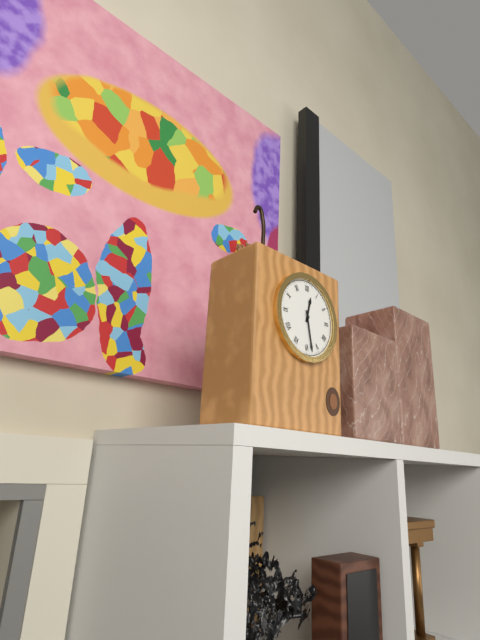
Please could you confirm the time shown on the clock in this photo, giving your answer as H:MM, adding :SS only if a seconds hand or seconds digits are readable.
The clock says 12:28
